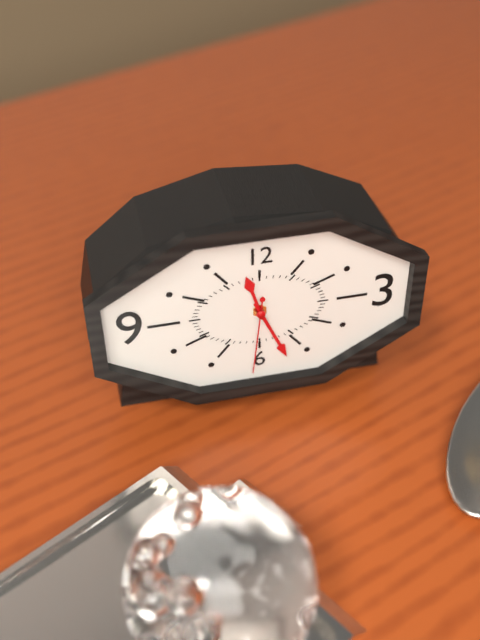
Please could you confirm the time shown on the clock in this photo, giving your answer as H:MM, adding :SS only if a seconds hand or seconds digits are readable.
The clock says 11:26:31
